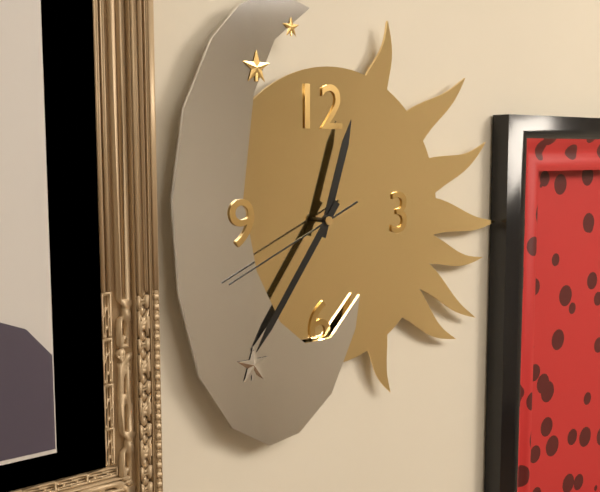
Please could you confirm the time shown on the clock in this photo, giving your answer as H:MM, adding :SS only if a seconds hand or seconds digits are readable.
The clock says 12:36:41
